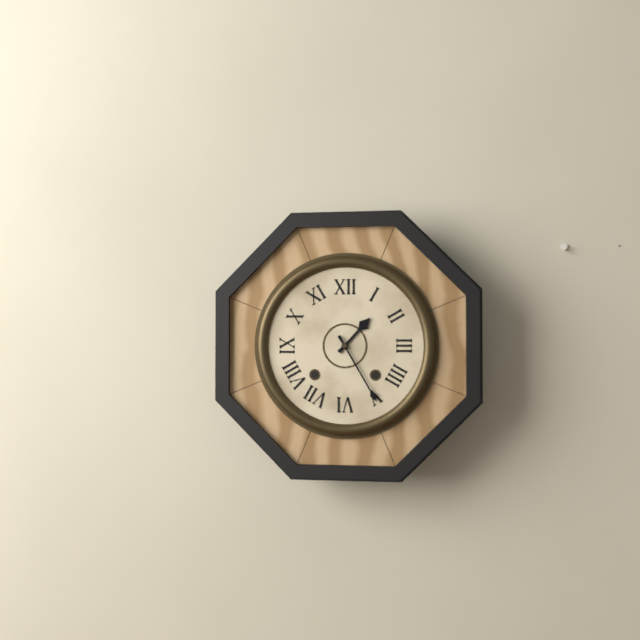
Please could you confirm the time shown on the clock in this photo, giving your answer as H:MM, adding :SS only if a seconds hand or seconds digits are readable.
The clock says 1:25
